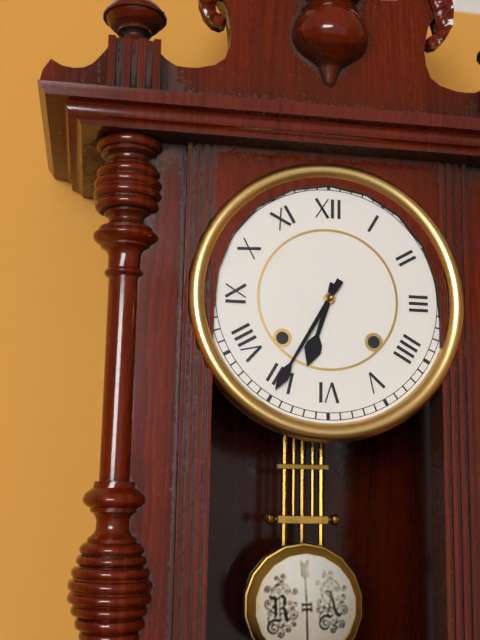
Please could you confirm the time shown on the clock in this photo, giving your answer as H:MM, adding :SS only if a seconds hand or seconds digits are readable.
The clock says 6:35
